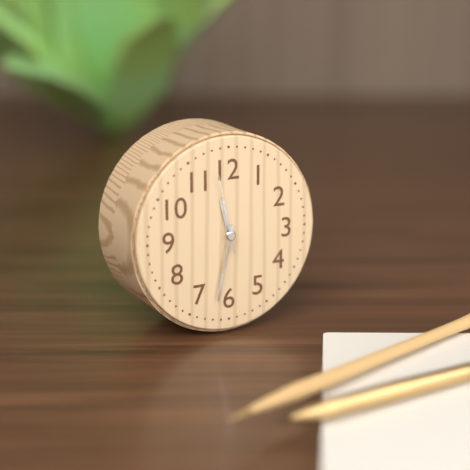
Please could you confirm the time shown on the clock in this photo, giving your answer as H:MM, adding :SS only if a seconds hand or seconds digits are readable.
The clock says 11:32:58
